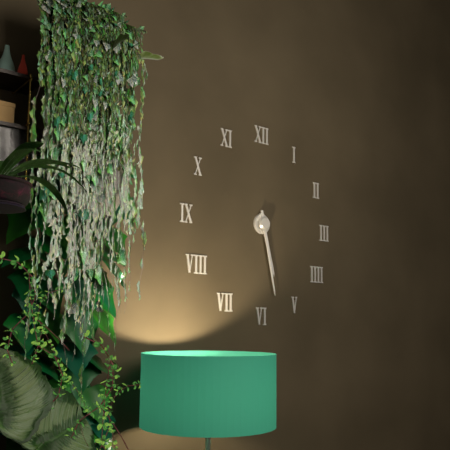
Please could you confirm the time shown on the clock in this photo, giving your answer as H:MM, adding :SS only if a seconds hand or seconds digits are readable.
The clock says 5:28
